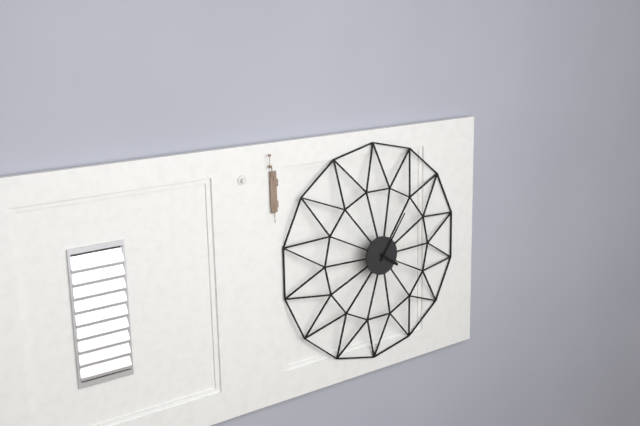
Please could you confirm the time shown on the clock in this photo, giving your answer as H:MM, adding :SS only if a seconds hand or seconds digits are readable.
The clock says 4:06
